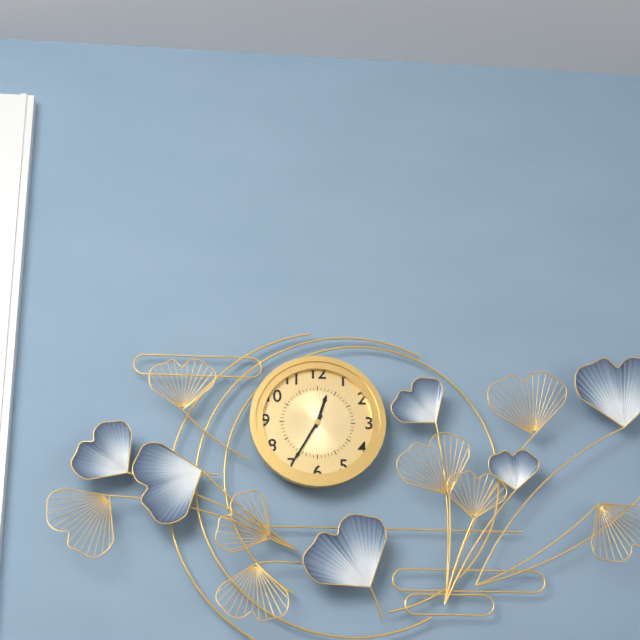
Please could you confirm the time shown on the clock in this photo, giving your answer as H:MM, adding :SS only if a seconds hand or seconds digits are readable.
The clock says 12:35
